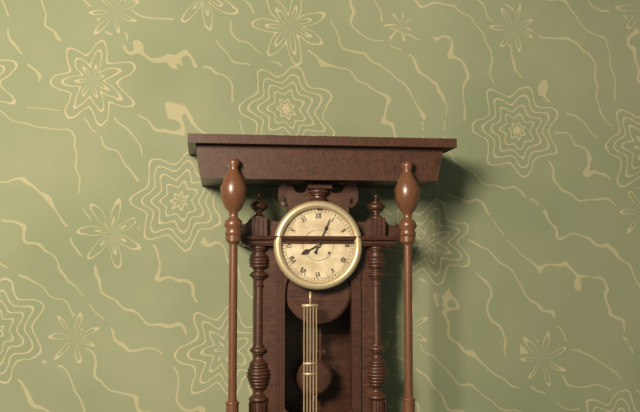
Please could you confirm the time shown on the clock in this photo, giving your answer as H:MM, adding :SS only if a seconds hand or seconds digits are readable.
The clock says 8:04
